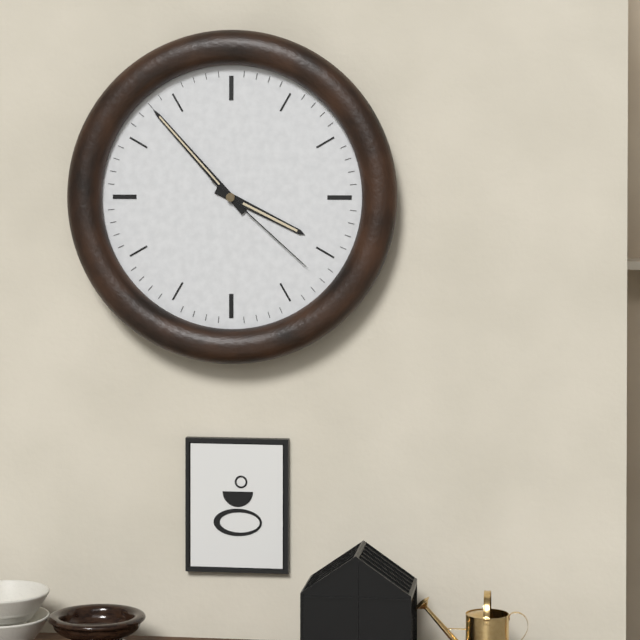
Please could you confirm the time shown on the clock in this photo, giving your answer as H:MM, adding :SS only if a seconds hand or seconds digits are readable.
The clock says 3:53:22
